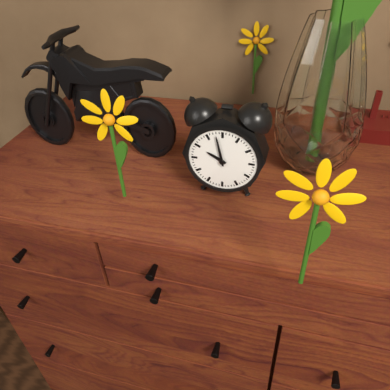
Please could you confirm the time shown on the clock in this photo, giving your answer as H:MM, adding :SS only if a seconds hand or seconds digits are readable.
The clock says 9:58
